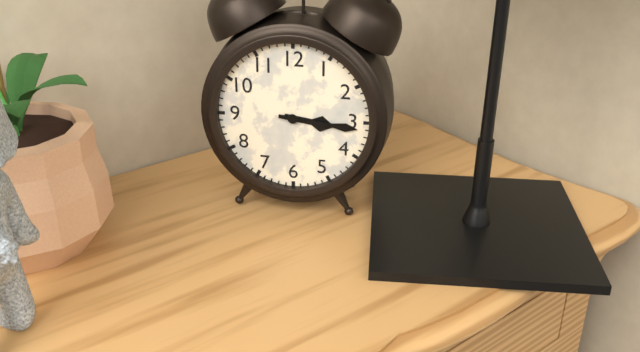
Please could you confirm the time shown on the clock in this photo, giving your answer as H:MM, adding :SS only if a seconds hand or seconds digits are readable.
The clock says 3:16
